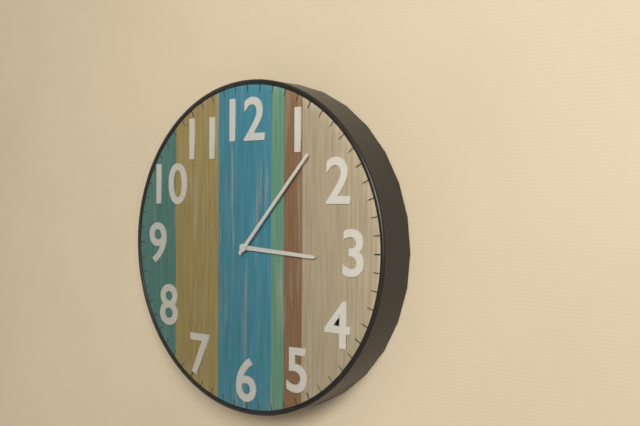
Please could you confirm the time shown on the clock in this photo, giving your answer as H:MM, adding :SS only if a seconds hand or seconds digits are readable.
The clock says 3:07
